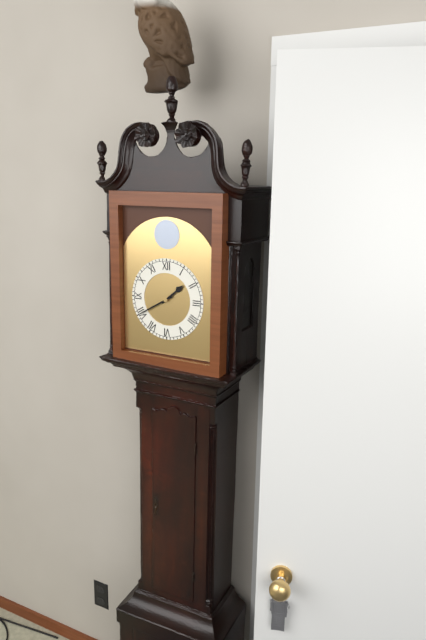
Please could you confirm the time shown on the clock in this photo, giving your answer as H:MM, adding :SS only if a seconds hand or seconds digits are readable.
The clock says 1:40
